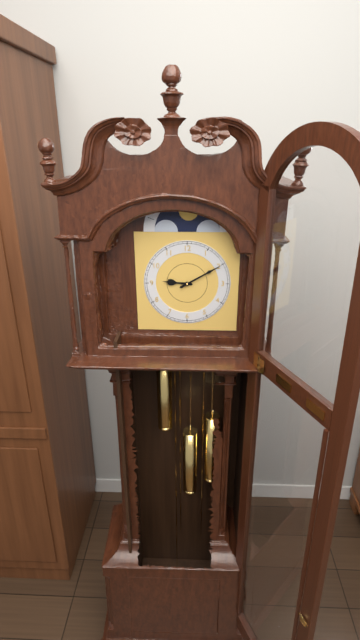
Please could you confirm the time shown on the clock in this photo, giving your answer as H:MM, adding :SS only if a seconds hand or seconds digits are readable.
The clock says 9:10
